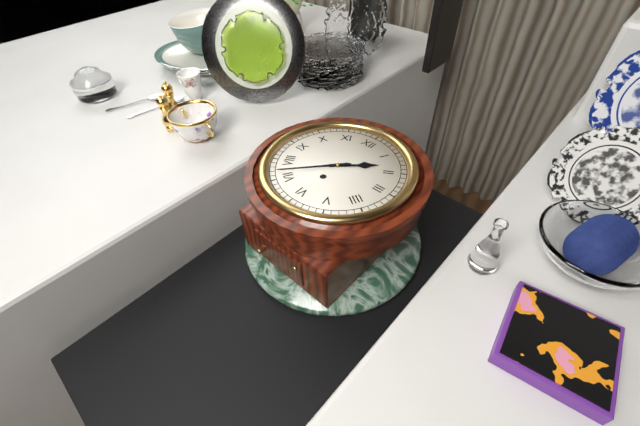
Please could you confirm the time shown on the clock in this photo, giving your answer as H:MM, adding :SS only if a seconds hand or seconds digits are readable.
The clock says 1:37
